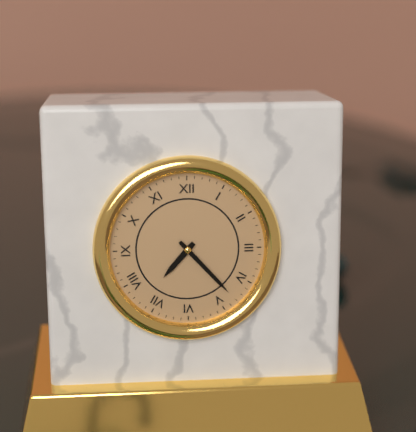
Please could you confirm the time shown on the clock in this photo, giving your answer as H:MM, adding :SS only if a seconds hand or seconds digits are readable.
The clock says 7:23
